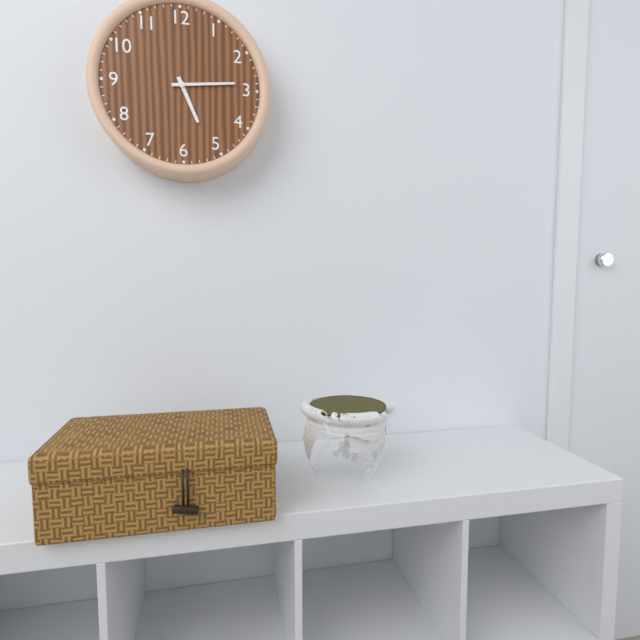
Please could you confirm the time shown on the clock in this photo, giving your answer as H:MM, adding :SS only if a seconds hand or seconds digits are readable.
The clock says 5:14
